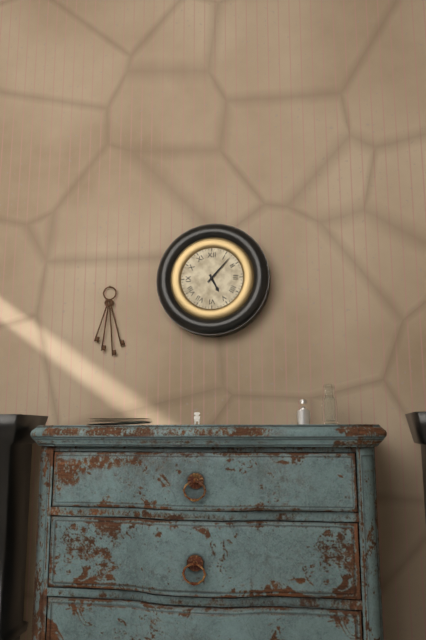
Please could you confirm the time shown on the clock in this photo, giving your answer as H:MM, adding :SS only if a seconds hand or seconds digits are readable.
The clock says 5:07
